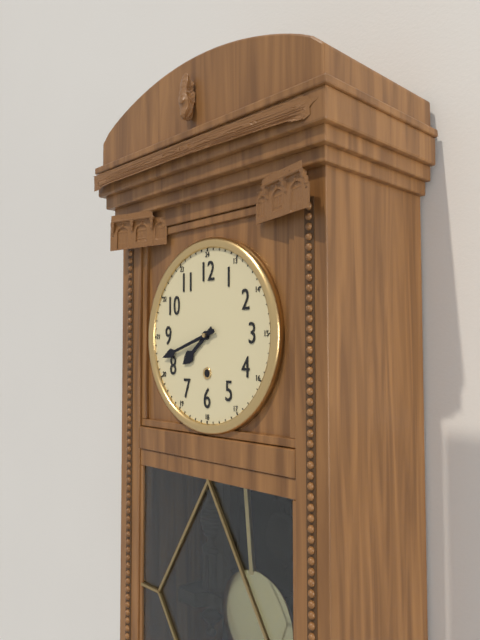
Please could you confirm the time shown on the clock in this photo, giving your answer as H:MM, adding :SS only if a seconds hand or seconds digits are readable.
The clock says 7:42
